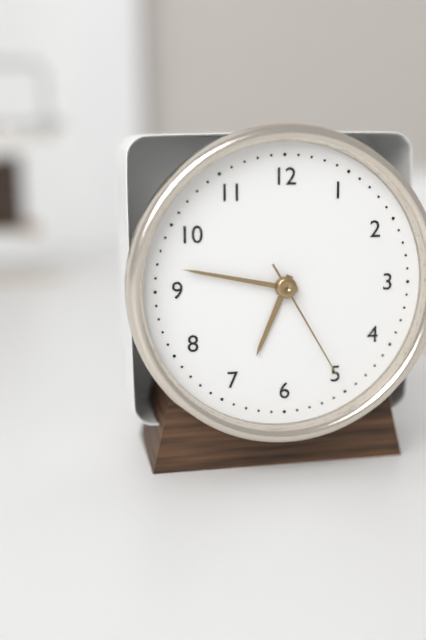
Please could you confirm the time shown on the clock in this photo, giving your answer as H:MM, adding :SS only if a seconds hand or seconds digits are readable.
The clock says 6:47:25
